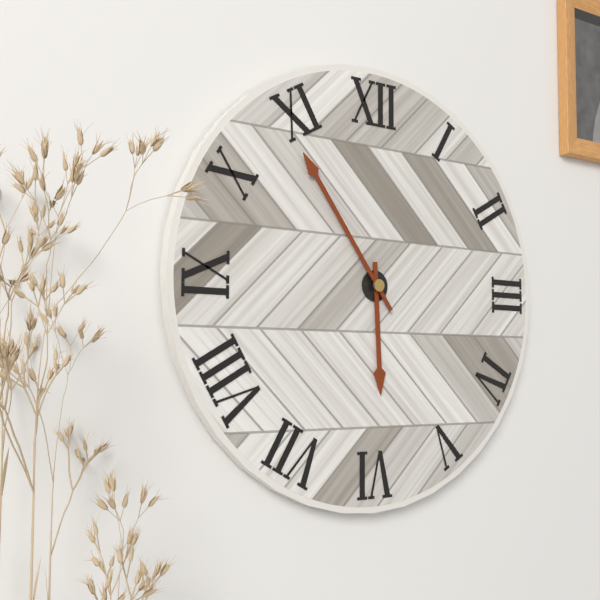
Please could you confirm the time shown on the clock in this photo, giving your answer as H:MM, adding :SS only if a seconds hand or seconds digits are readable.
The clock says 5:54
